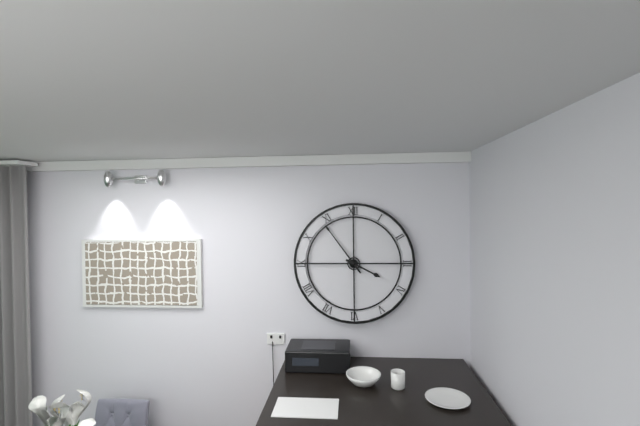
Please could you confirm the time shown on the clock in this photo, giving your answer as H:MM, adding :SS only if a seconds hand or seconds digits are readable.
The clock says 3:54
